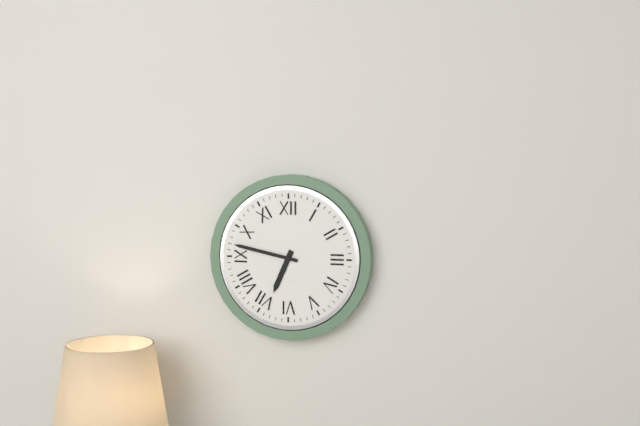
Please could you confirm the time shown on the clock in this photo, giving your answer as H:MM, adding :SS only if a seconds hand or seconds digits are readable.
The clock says 6:47
